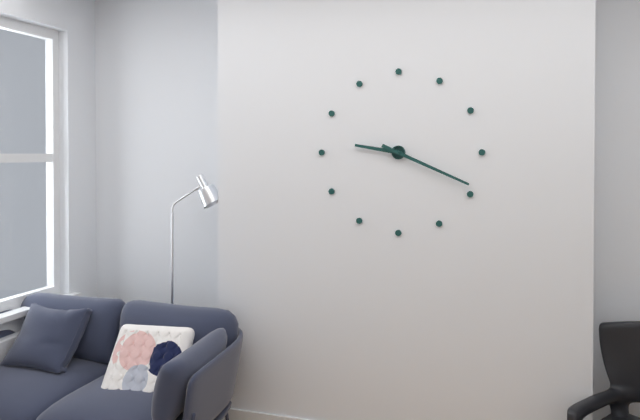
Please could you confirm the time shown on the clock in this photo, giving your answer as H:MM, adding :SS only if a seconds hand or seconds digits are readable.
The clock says 9:19
